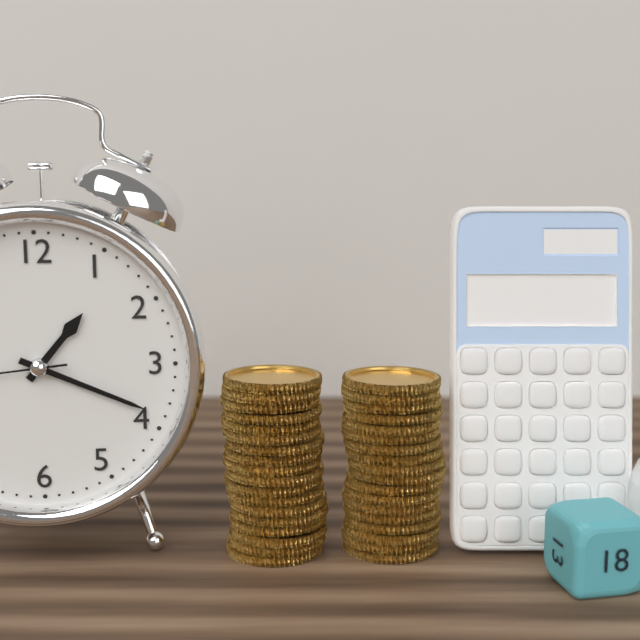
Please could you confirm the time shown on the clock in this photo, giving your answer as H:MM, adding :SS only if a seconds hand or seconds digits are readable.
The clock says 1:19
